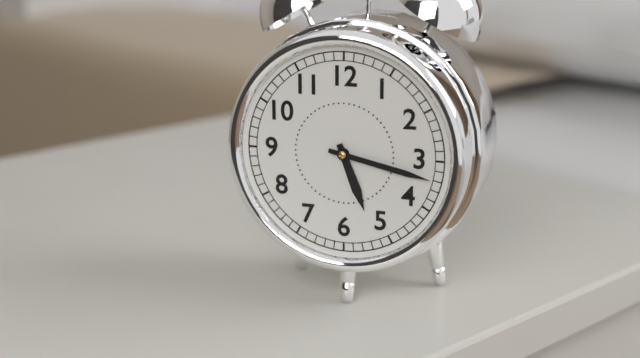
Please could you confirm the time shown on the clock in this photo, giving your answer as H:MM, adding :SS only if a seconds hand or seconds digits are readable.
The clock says 5:17
